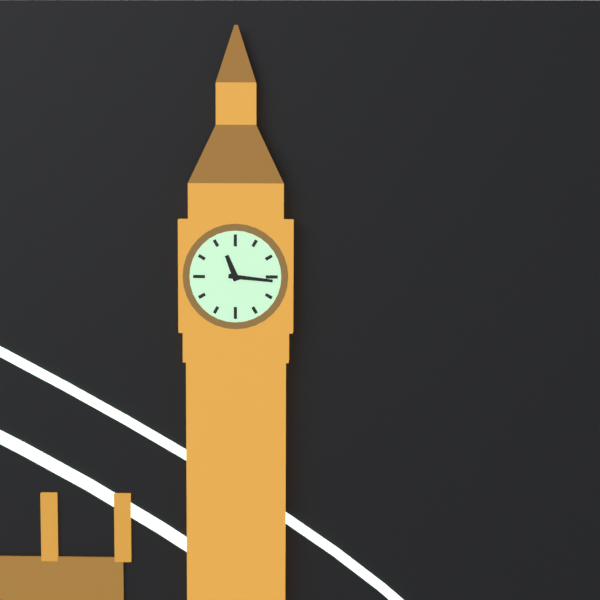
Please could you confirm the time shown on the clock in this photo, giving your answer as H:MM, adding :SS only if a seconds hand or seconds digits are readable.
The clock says 11:16
